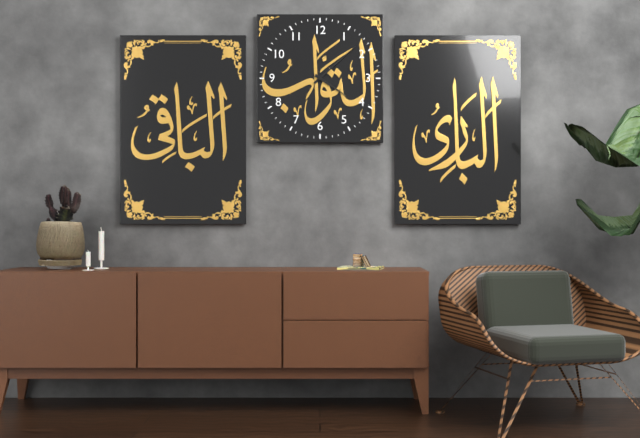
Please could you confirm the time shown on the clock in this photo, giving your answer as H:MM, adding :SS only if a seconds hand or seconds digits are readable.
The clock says 4:08
